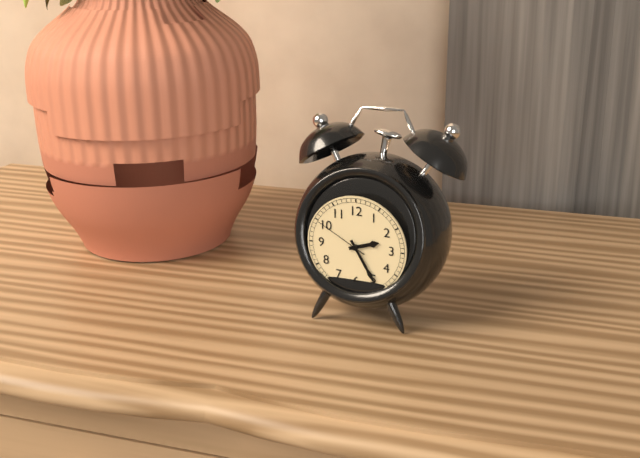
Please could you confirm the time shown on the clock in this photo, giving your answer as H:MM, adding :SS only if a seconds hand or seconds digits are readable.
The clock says 2:25:50
